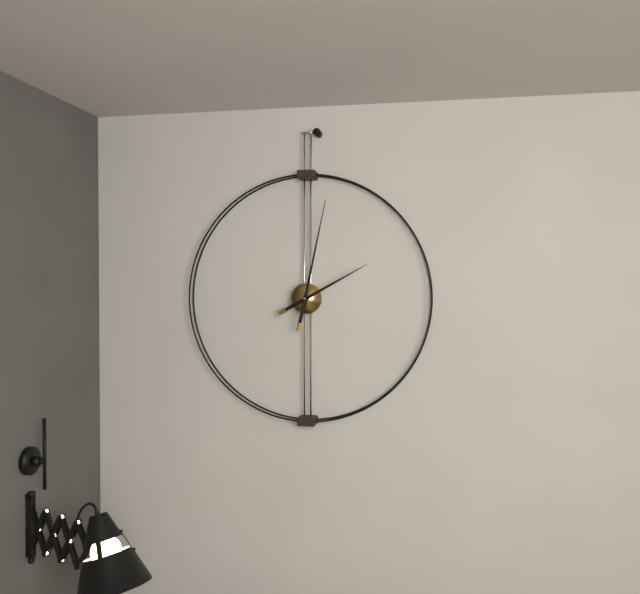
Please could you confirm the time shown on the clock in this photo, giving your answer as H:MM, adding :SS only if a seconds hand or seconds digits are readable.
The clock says 2:02
